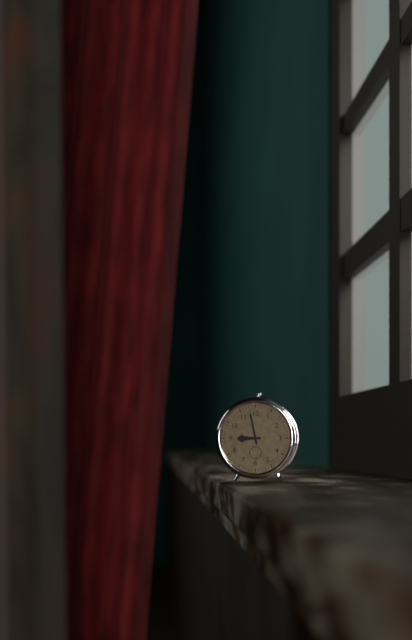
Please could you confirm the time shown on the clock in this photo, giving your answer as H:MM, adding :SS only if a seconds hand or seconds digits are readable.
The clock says 8:58
